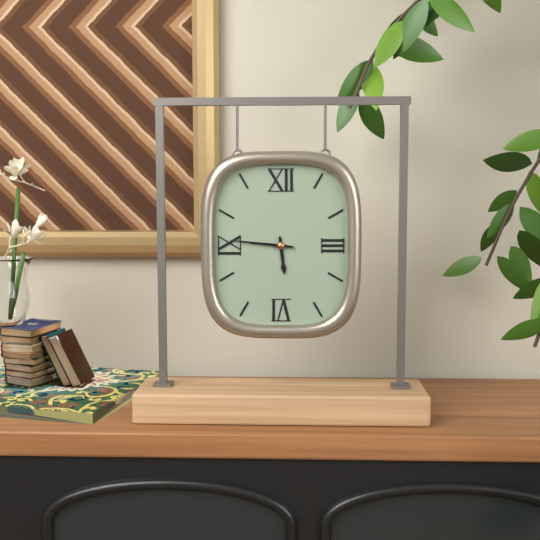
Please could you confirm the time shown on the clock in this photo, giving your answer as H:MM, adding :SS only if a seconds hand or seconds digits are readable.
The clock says 5:46
